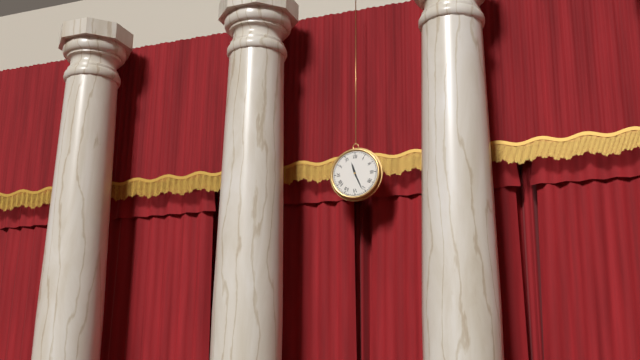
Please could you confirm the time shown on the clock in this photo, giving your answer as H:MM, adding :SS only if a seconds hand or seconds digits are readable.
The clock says 11:26
